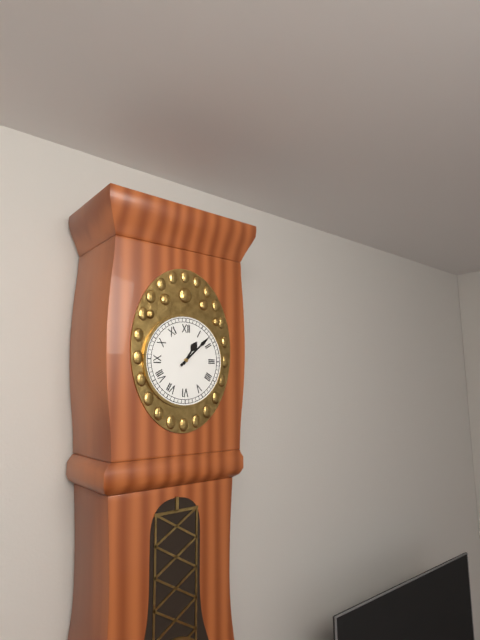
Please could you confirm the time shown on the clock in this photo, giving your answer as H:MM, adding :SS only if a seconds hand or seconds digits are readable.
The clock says 1:08
